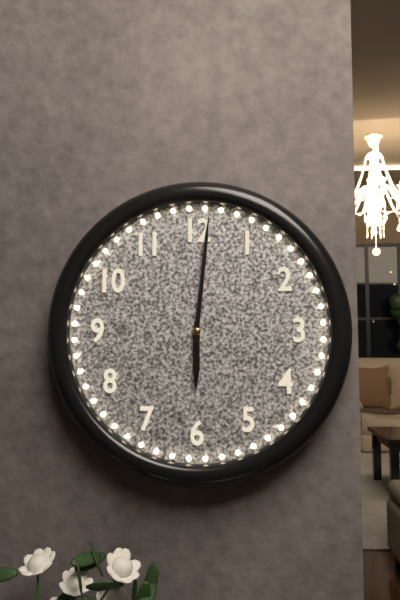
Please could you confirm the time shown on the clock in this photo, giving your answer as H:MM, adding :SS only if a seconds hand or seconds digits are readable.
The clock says 6:01
